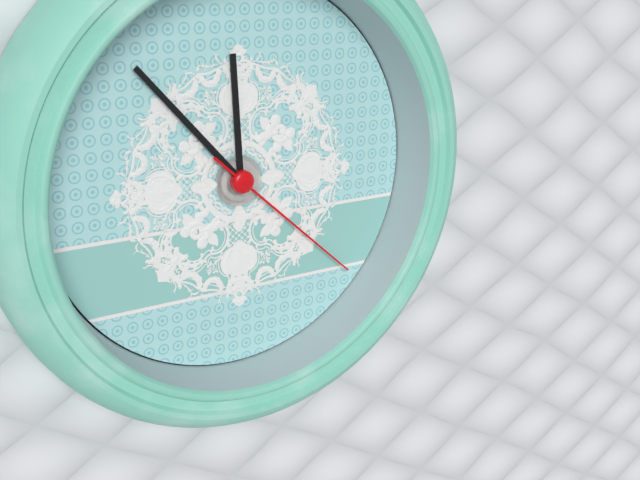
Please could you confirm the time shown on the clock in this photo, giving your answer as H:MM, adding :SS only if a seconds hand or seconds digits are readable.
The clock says 11:53:22
